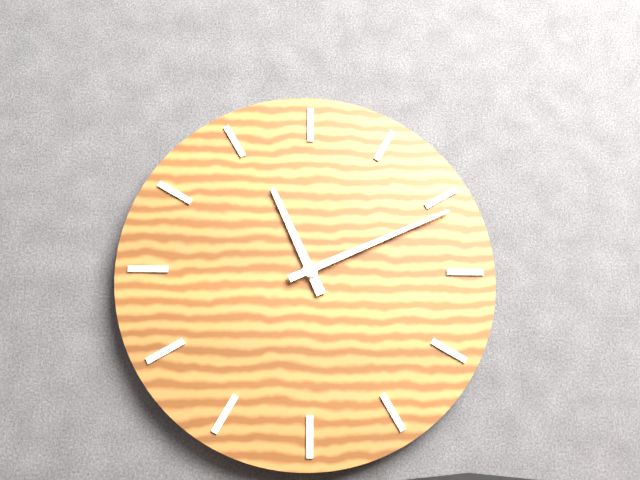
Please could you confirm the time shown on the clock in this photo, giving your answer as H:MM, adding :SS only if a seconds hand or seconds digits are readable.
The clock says 11:11
